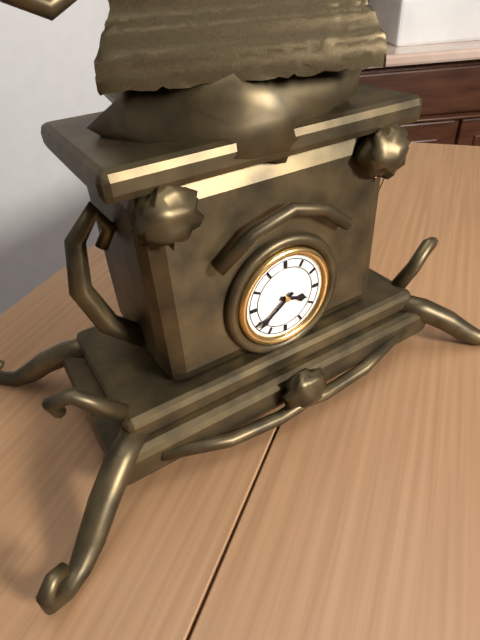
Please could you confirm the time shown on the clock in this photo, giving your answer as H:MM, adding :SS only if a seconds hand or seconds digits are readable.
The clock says 3:39
